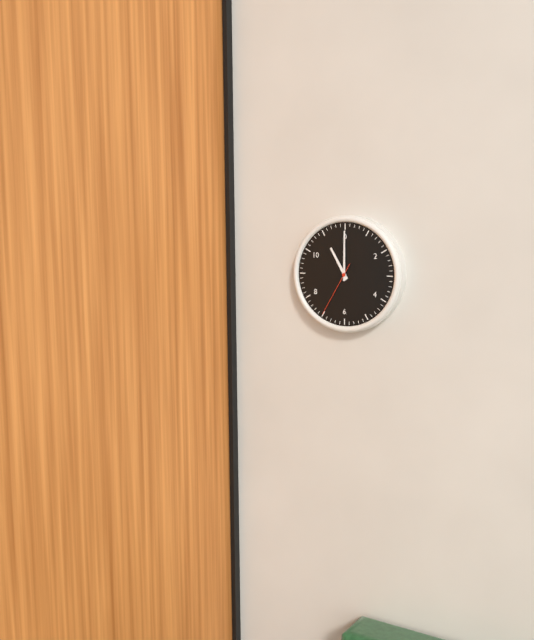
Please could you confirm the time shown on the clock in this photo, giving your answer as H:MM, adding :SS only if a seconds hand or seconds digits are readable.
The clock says 11:00:35
